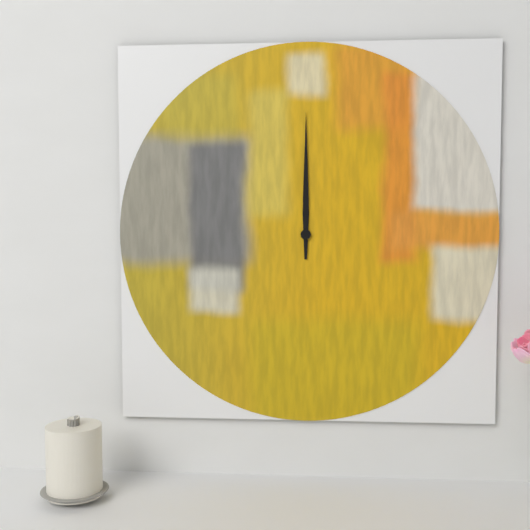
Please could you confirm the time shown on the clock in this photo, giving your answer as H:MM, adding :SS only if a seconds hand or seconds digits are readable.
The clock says 12:00
